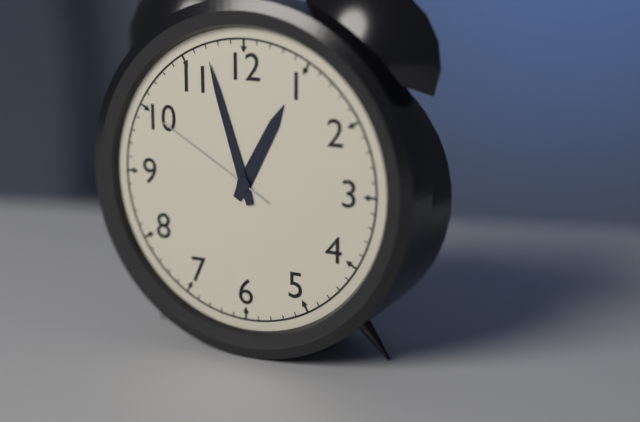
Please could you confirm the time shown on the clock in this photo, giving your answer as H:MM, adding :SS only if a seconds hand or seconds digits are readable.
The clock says 12:57:50
